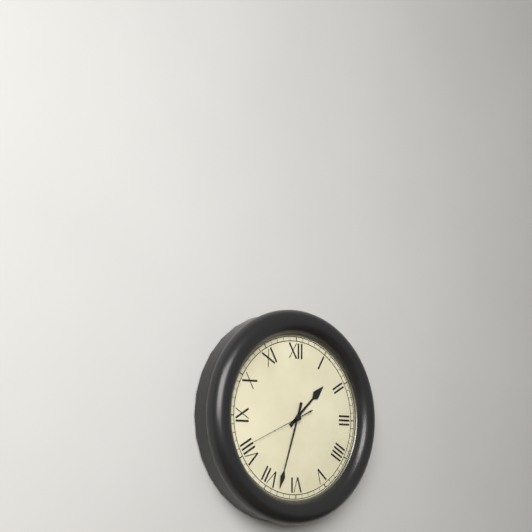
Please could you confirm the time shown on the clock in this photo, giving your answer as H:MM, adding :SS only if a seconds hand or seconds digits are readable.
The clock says 1:33:41
